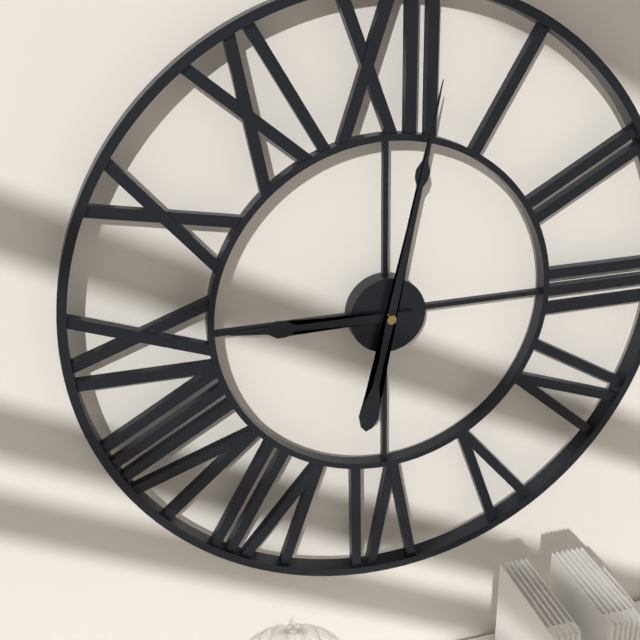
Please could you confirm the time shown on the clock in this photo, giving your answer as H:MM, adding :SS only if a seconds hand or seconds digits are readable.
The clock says 9:02
